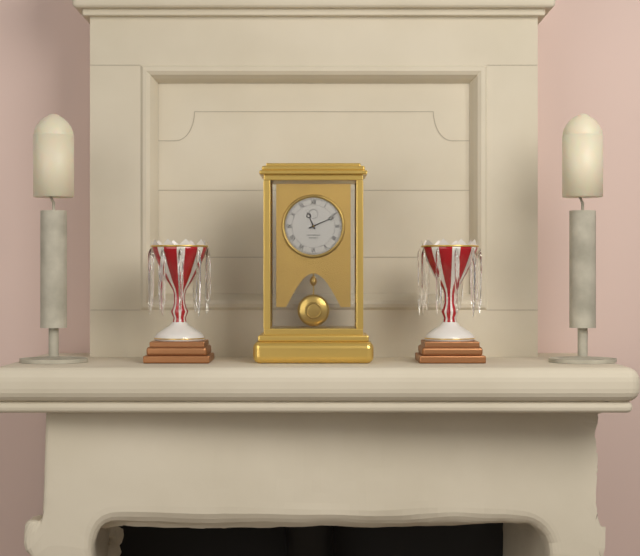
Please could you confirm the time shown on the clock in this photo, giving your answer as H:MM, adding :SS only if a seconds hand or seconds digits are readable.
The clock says 11:11
